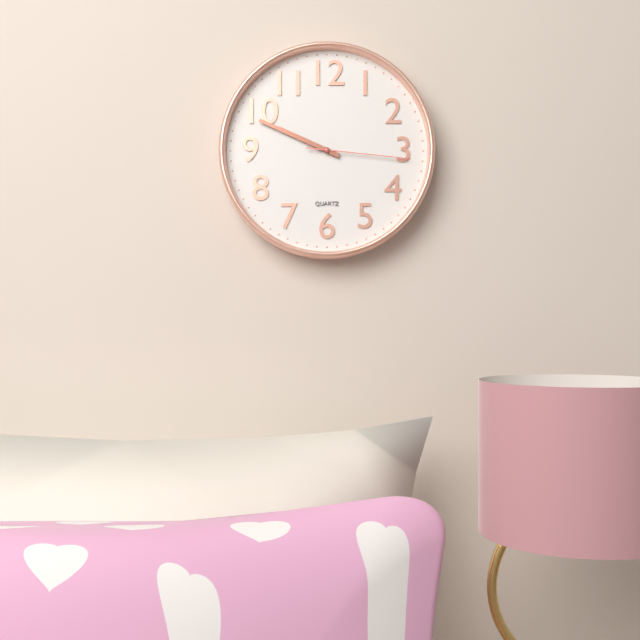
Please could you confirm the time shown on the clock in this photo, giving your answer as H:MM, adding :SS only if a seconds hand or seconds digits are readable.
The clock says 9:49:16
